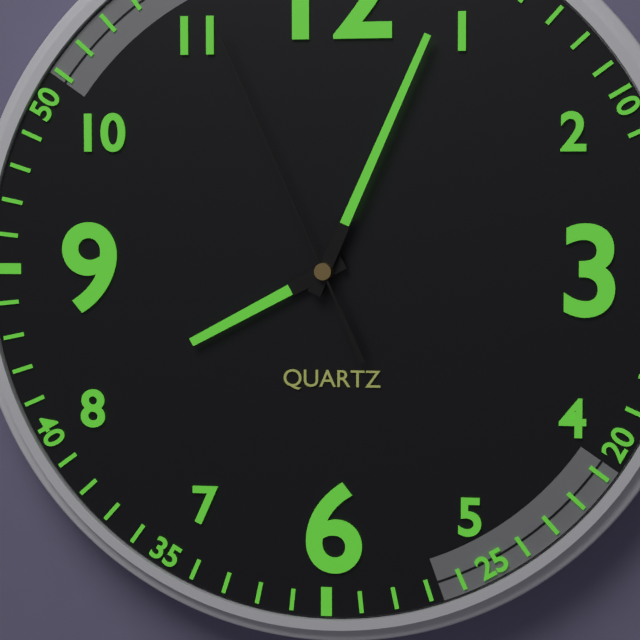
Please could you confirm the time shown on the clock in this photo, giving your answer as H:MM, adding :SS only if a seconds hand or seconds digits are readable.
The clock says 8:04:56
